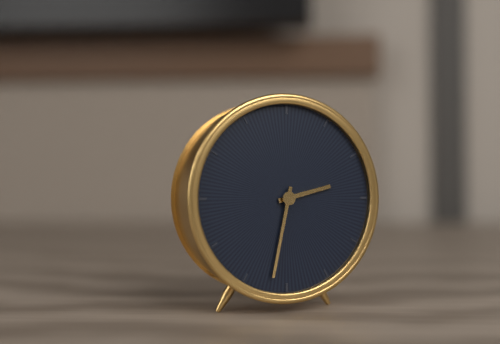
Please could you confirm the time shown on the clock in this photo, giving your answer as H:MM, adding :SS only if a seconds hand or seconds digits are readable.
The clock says 2:32
